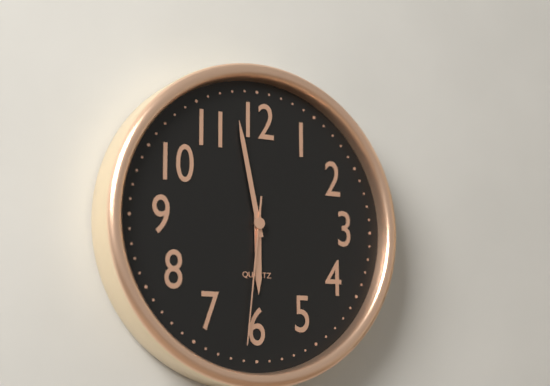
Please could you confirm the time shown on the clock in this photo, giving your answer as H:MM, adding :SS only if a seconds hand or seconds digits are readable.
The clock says 5:58:31
